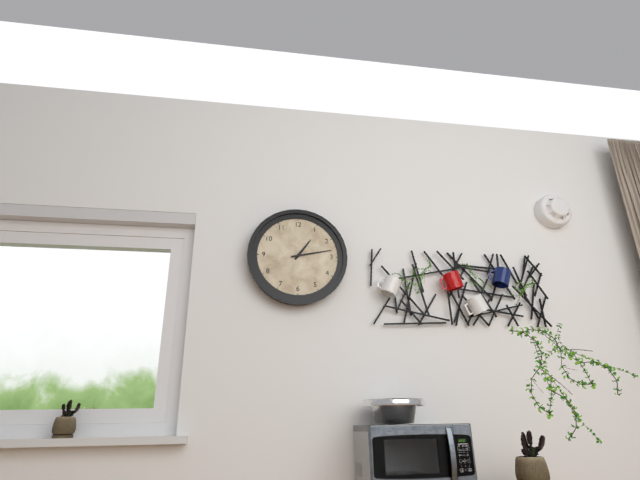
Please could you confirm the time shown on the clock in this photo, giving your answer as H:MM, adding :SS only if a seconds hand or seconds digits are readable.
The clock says 1:13
